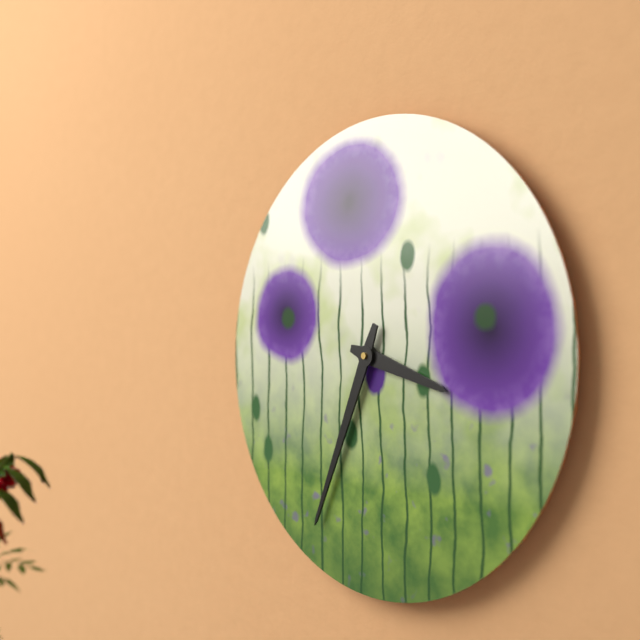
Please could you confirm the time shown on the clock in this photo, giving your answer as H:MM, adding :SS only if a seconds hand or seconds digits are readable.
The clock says 3:34
